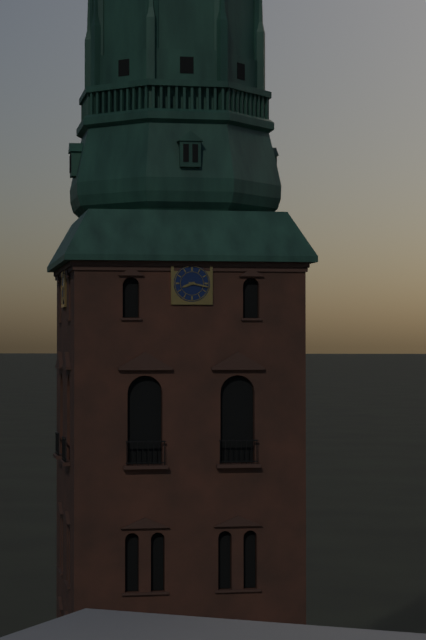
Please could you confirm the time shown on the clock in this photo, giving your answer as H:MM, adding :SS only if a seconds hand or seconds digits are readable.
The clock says 8:17
